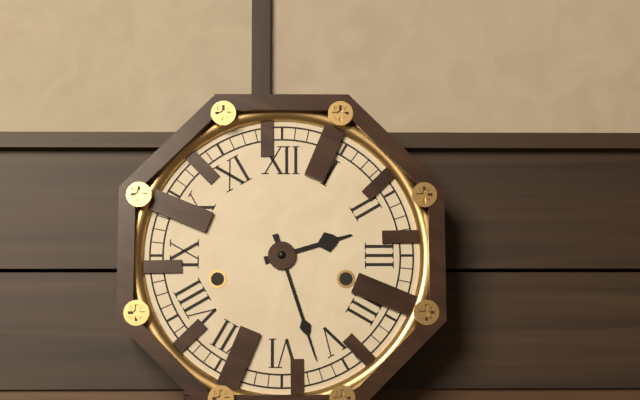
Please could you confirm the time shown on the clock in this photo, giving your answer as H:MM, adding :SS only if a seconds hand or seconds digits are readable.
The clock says 2:27
